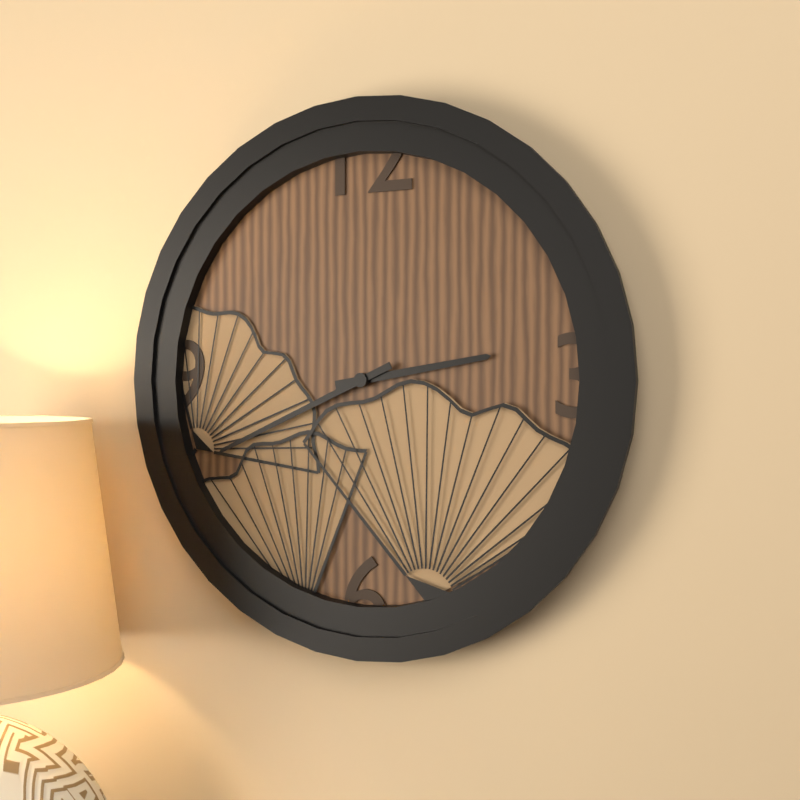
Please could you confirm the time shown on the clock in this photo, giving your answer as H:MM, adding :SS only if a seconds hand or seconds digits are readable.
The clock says 2:41
